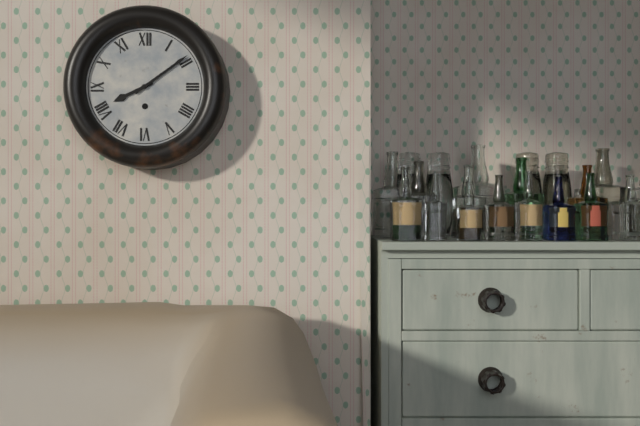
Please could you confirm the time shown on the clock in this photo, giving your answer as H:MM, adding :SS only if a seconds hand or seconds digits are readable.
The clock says 8:09
